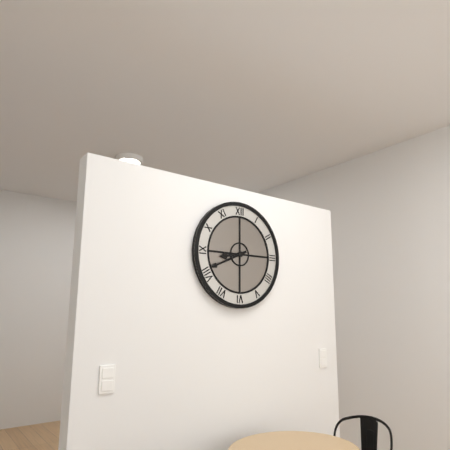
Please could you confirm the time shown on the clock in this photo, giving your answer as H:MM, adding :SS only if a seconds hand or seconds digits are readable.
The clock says 8:41
